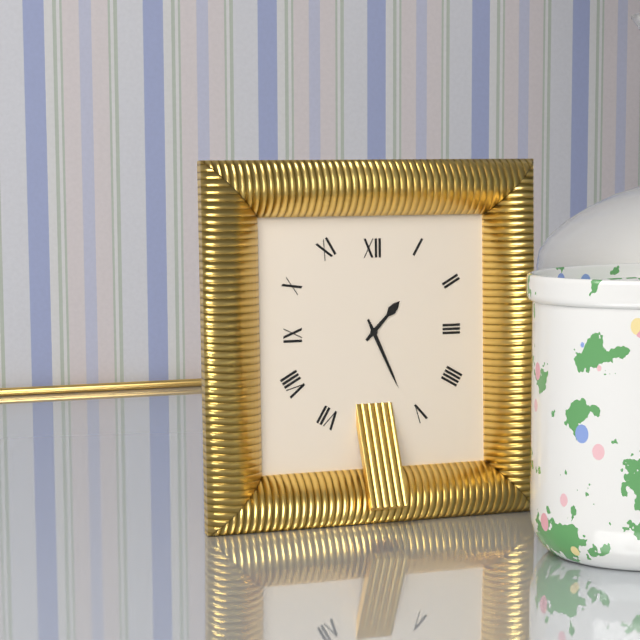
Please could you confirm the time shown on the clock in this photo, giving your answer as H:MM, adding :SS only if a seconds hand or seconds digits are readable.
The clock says 1:26
